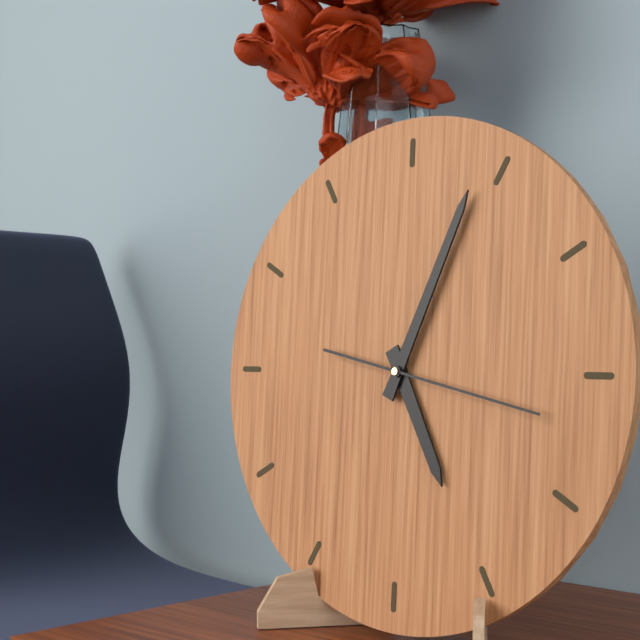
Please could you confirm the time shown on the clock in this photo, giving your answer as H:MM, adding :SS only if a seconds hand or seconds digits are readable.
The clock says 5:04:17
